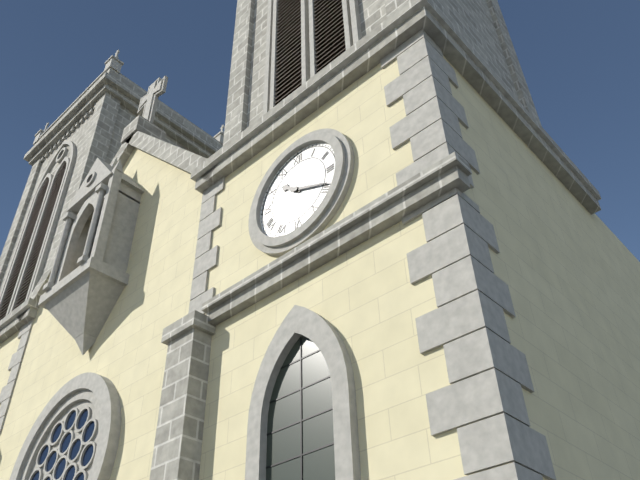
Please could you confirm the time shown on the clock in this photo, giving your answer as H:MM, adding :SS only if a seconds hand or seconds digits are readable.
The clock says 10:19
